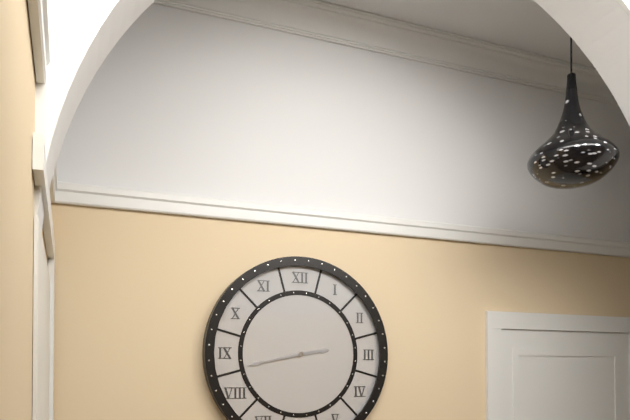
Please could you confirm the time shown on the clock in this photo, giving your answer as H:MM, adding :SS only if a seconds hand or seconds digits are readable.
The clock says 2:43
